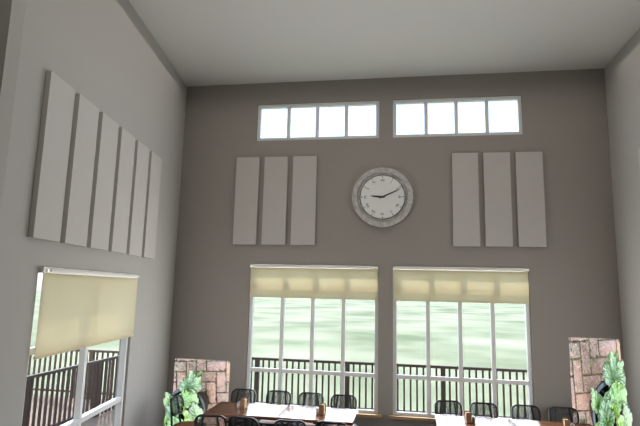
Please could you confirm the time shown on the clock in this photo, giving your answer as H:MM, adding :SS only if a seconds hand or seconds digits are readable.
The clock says 9:11
